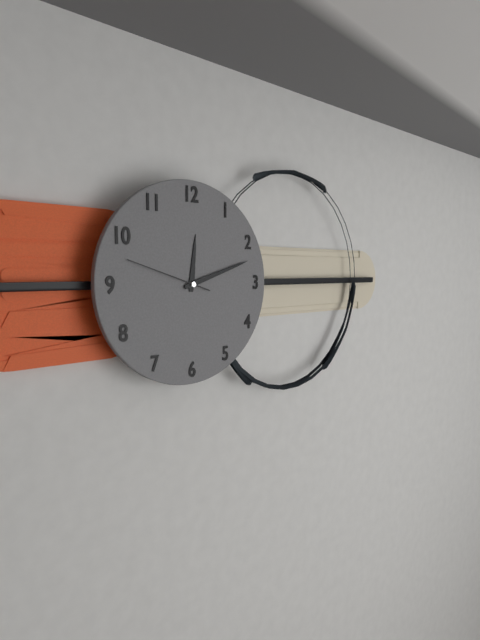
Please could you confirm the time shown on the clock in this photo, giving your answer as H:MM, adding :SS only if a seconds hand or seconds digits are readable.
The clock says 12:12:48
